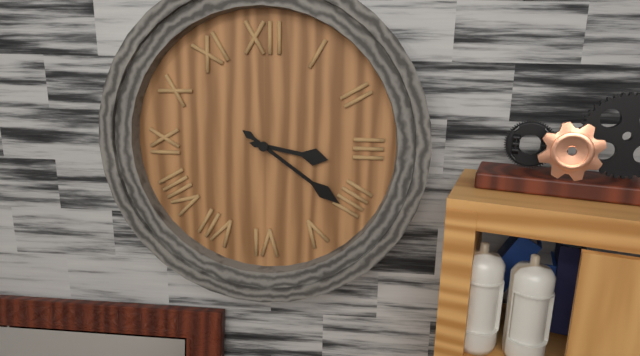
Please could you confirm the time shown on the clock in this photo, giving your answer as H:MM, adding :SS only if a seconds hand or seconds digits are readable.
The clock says 3:21
